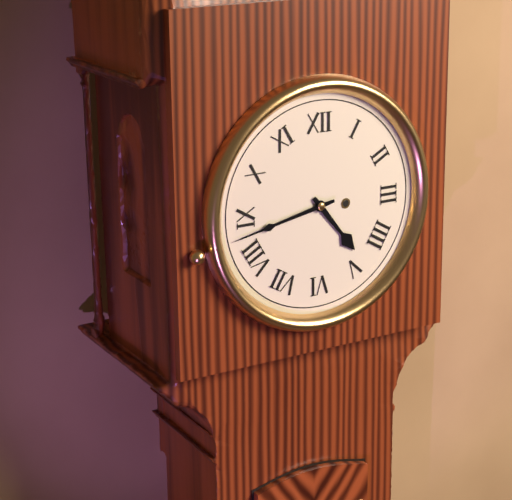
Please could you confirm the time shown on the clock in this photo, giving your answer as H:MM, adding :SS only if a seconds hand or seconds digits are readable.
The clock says 4:43
